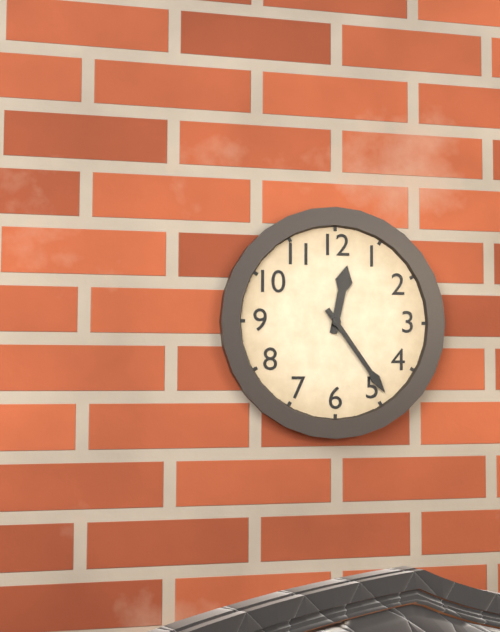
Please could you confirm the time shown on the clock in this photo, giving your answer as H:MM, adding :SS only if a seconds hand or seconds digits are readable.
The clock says 12:24
